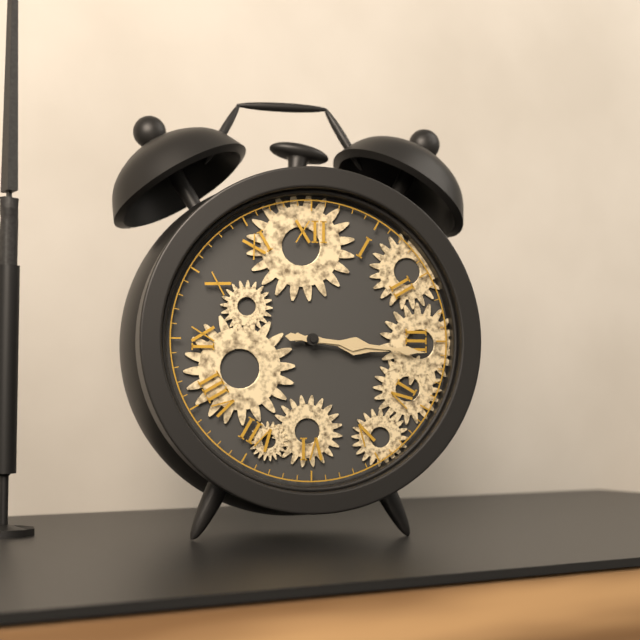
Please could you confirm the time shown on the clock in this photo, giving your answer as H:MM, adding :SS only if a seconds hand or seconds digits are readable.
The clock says 3:16
